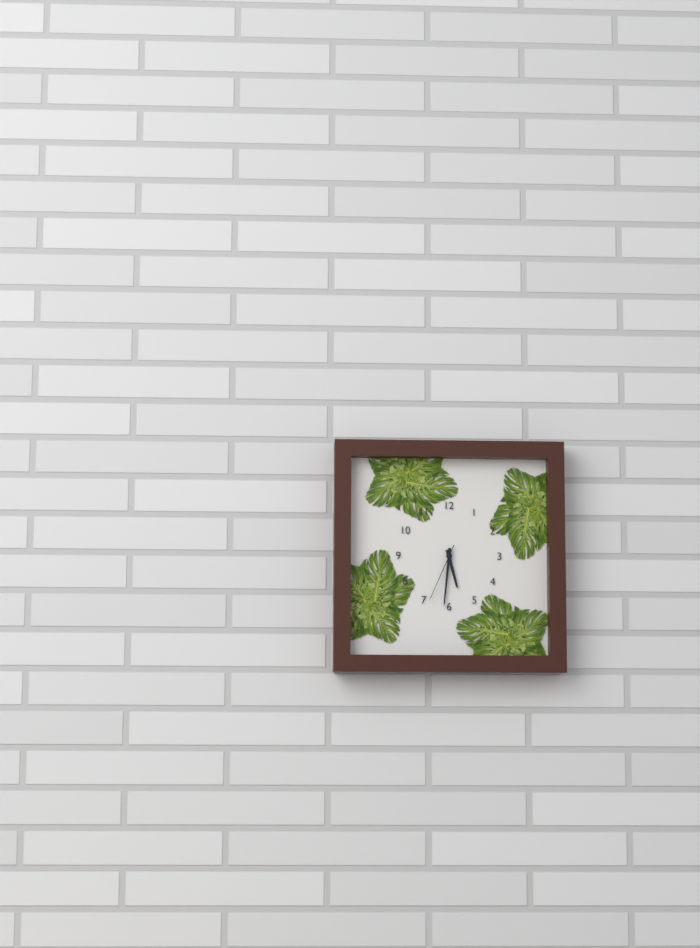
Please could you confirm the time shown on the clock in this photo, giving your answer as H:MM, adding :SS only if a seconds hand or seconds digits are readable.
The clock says 5:31:34
